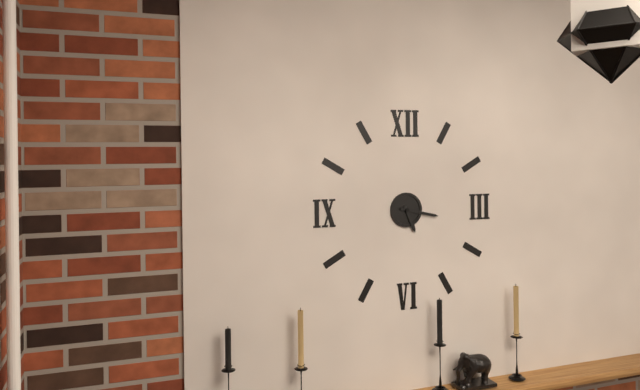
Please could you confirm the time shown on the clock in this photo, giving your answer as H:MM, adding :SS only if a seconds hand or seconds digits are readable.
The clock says 5:17
